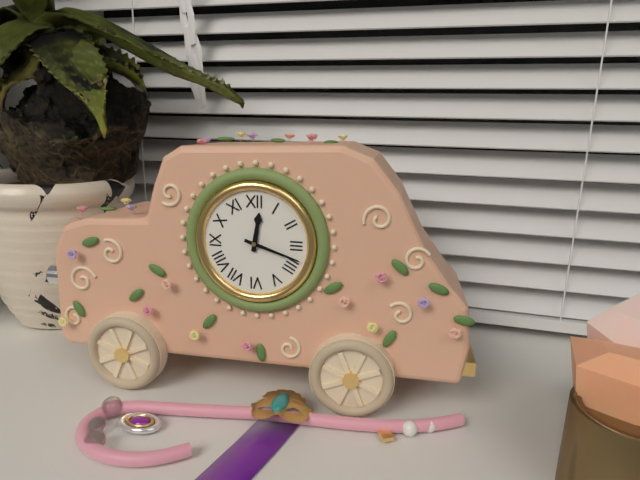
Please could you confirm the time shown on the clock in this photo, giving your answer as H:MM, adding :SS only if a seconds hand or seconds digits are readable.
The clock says 12:18
